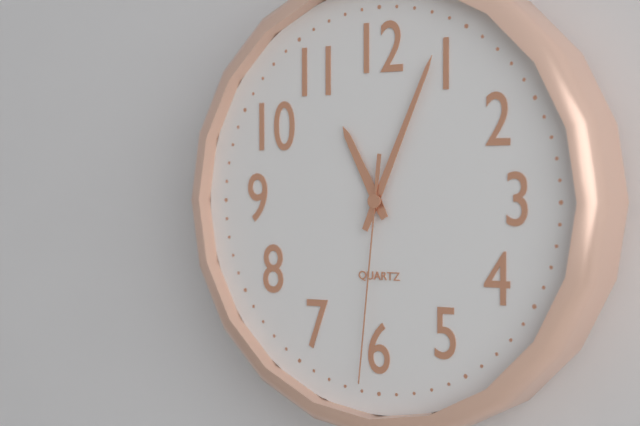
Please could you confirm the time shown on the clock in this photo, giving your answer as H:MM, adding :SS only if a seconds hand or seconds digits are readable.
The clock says 11:04:31
